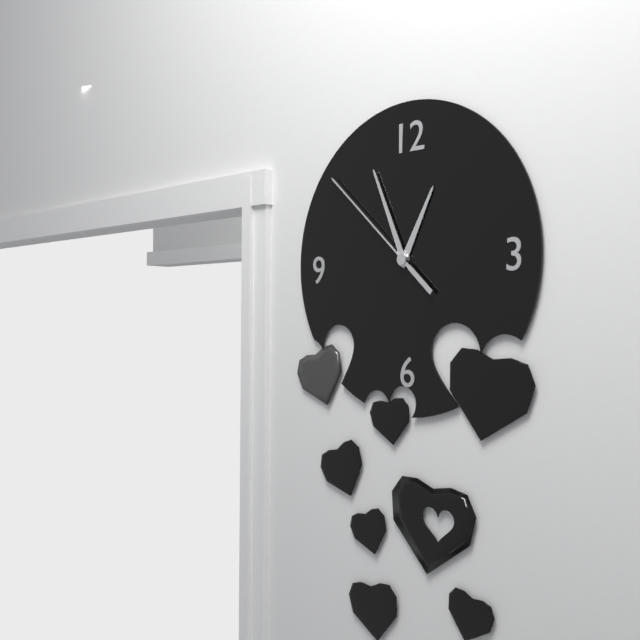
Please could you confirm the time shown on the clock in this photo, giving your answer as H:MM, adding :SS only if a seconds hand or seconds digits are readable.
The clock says 12:56:52
